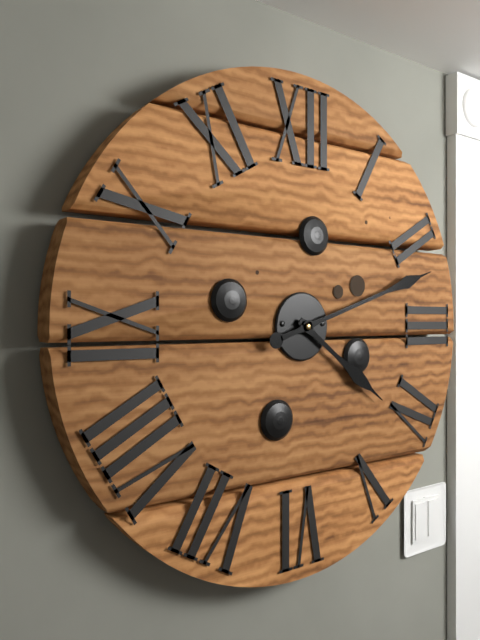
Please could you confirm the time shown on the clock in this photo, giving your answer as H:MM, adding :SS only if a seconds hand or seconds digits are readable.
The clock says 4:12
